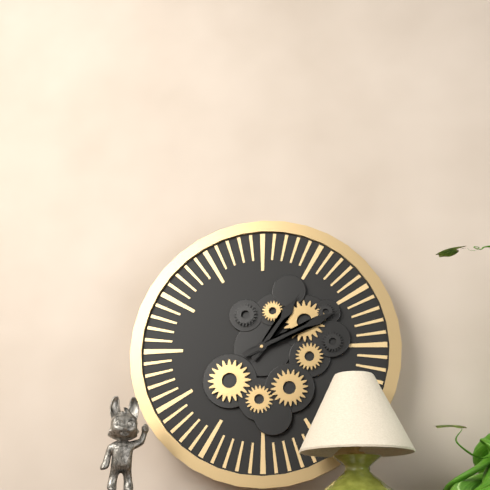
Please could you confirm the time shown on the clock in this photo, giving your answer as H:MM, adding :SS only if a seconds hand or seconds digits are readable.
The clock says 1:11
